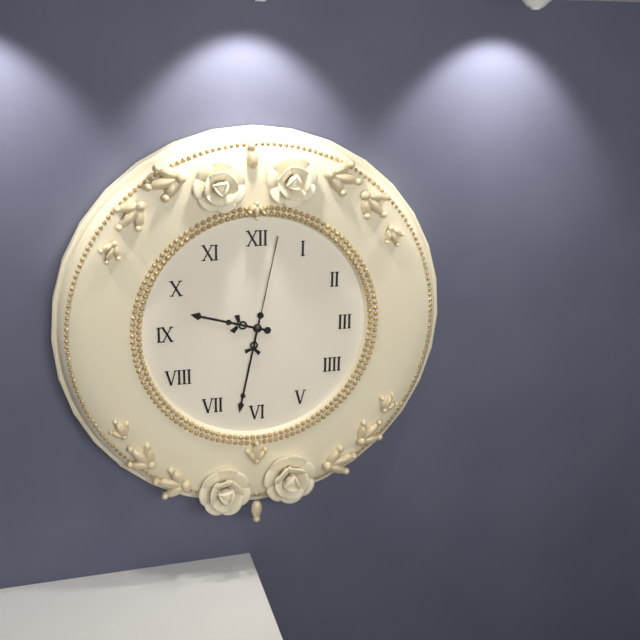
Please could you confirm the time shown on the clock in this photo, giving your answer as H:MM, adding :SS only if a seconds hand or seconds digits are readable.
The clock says 9:32:02
